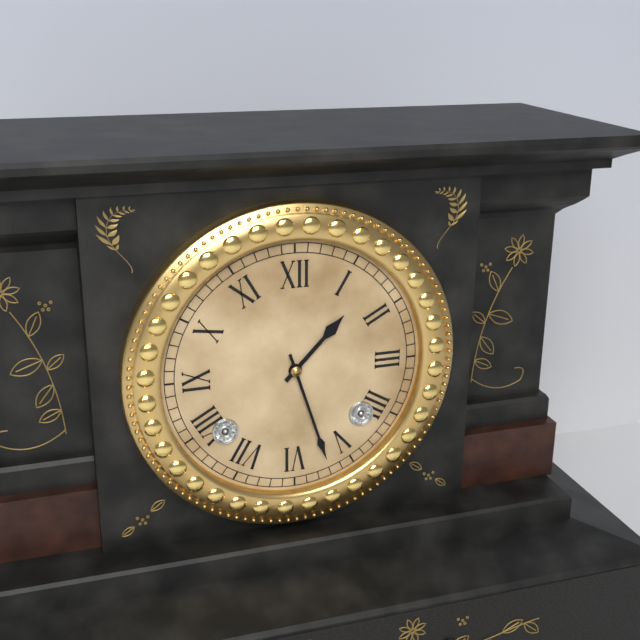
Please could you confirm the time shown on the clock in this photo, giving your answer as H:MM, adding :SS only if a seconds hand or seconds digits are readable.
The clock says 1:27
